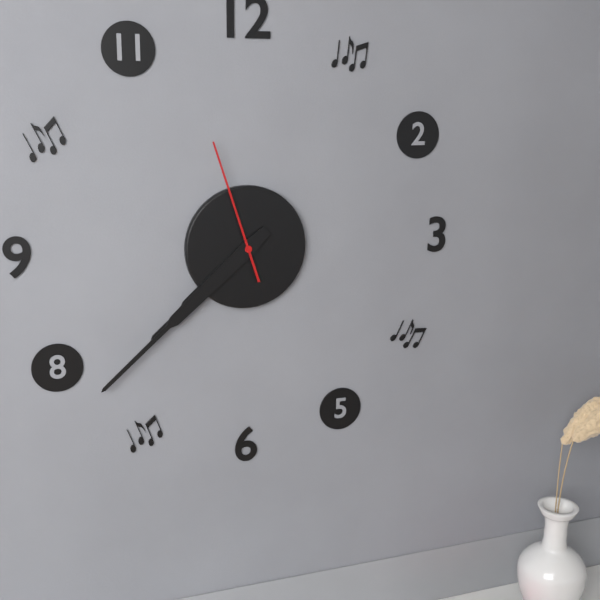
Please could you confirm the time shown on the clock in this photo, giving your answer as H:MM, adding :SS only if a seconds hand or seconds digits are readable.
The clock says 7:38:57
